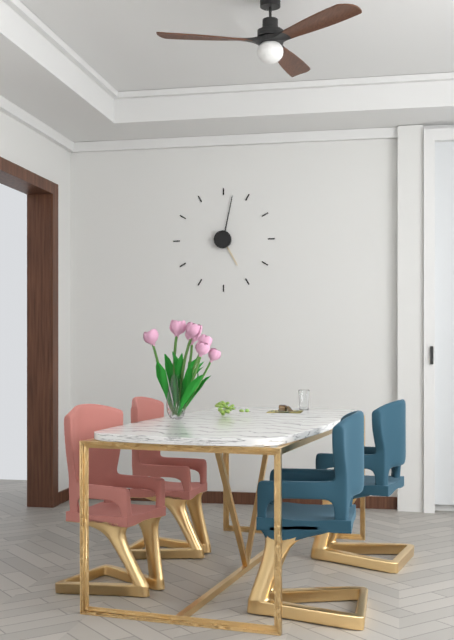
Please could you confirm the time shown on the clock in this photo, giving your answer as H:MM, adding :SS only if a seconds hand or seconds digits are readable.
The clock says 5:02
